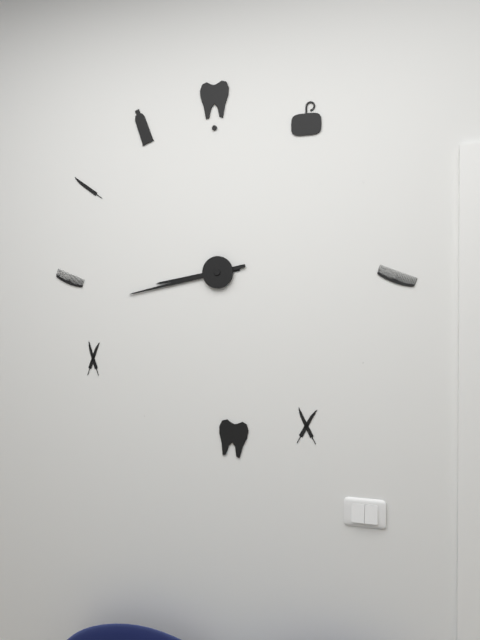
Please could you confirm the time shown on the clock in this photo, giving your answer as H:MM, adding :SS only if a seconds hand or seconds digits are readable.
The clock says 8:43
